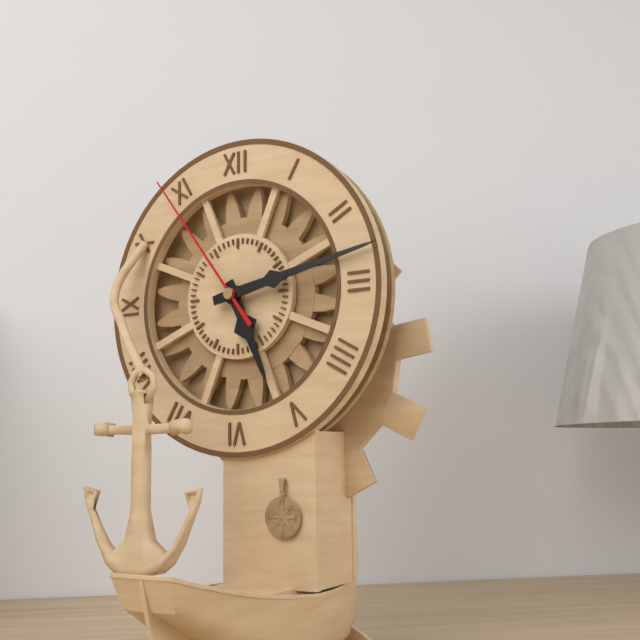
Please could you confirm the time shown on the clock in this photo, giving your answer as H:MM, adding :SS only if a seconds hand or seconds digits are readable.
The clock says 5:13:54
